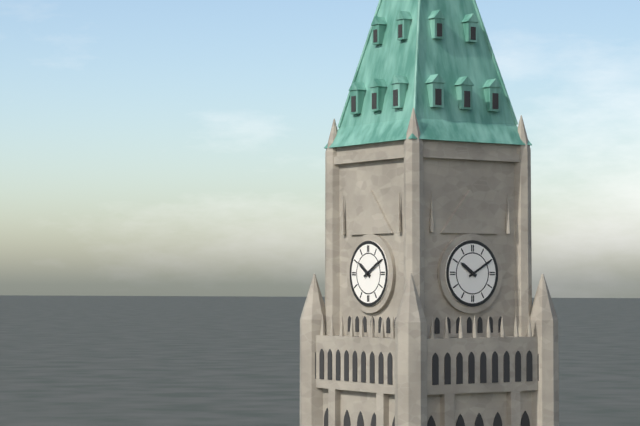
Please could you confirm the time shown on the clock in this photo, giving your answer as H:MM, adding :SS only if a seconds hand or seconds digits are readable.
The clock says 10:10
